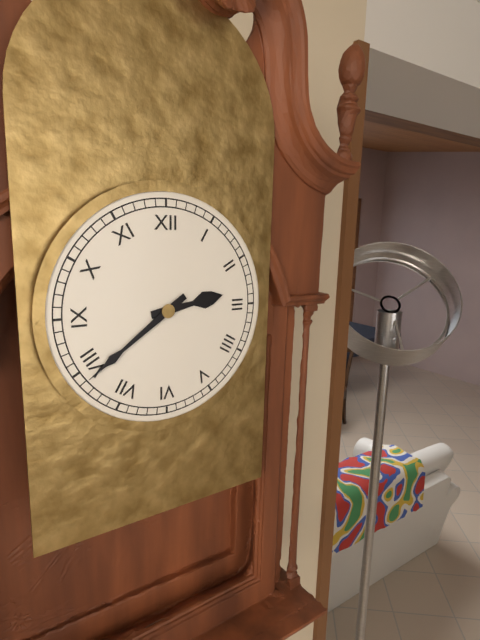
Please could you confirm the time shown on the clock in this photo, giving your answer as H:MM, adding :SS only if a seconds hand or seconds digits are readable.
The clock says 2:39
